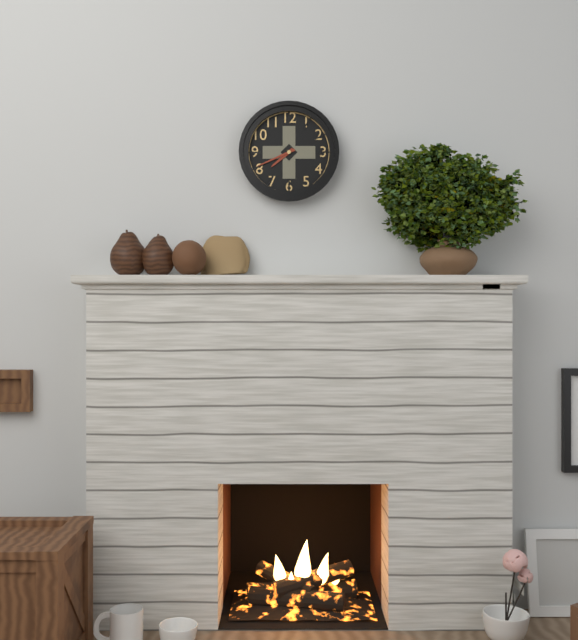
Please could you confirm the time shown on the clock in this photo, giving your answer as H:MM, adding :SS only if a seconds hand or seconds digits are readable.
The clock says 7:41
